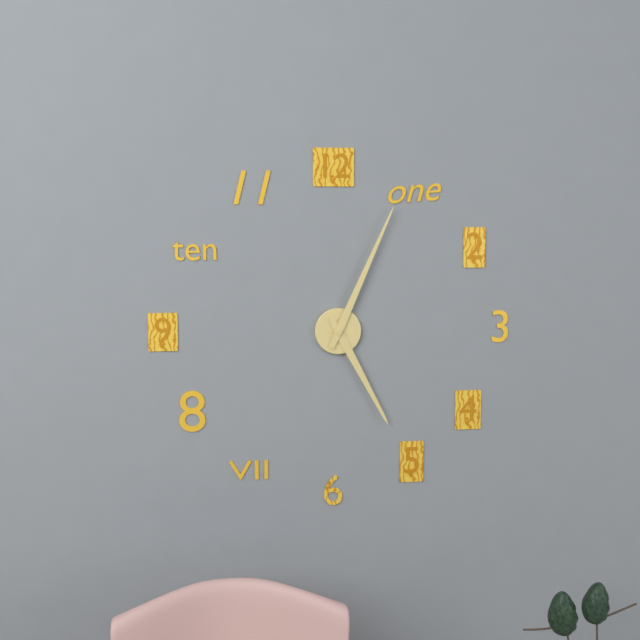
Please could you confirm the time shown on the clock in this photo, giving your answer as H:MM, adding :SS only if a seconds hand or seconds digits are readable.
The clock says 5:04
